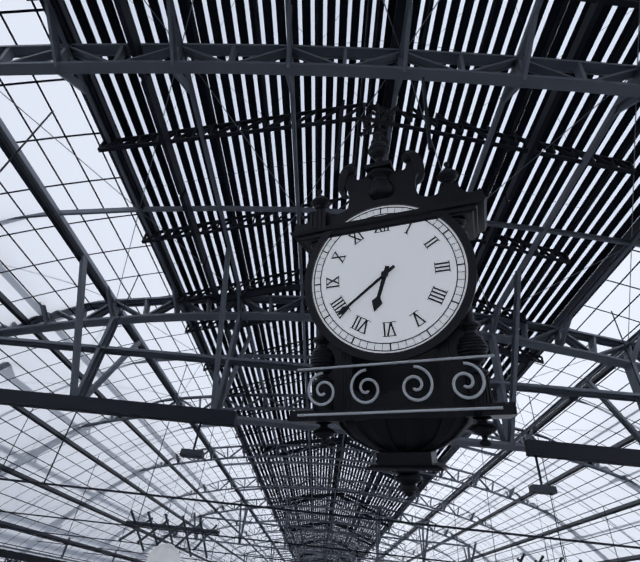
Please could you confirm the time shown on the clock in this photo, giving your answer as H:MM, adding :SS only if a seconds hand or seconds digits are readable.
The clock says 6:39
